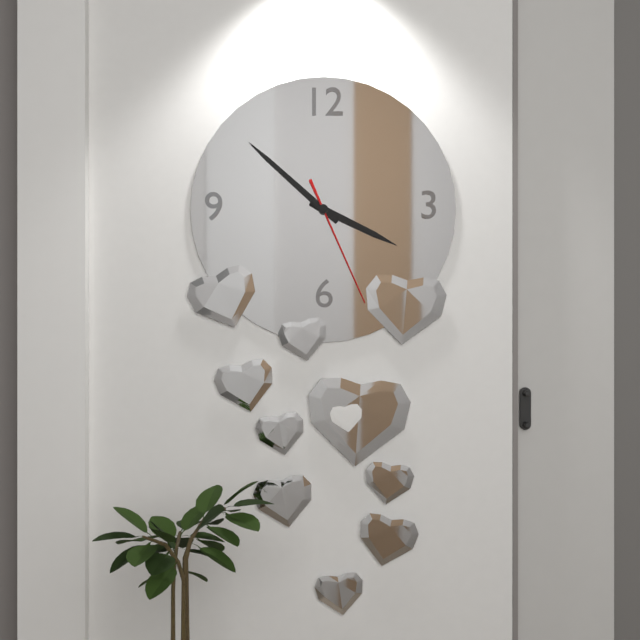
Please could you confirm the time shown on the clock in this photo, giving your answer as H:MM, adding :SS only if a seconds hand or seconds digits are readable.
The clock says 3:52:26
